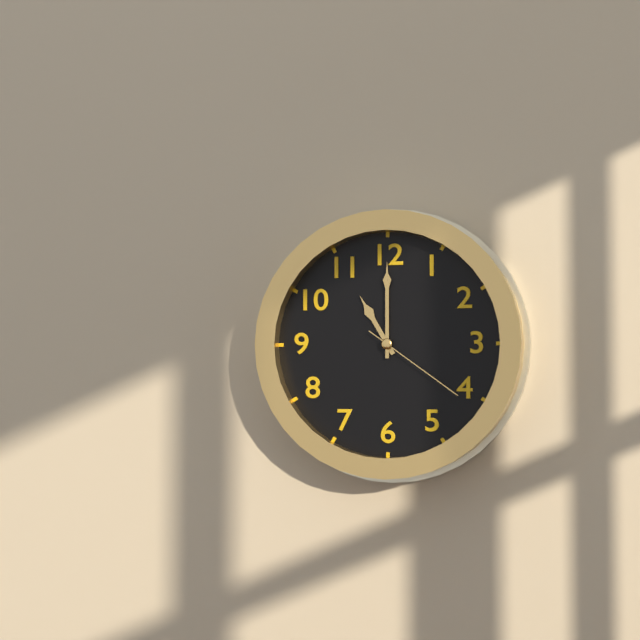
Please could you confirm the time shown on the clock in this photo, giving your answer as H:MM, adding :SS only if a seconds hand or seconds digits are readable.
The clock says 11:00:21
